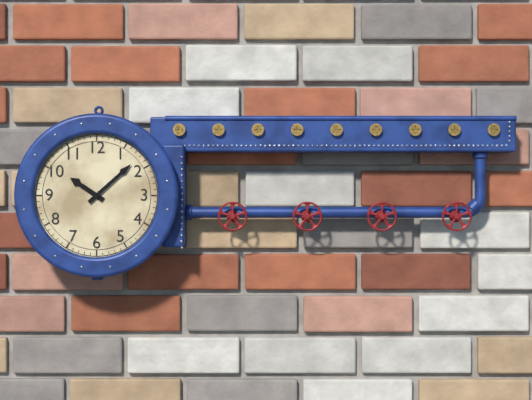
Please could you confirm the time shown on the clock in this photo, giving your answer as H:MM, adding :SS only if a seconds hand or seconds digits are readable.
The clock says 10:08
